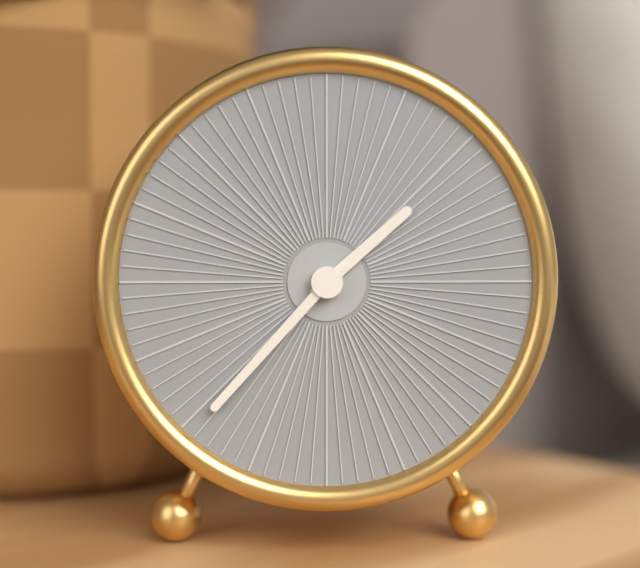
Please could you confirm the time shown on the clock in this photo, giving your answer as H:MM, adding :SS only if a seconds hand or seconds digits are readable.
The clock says 1:37
